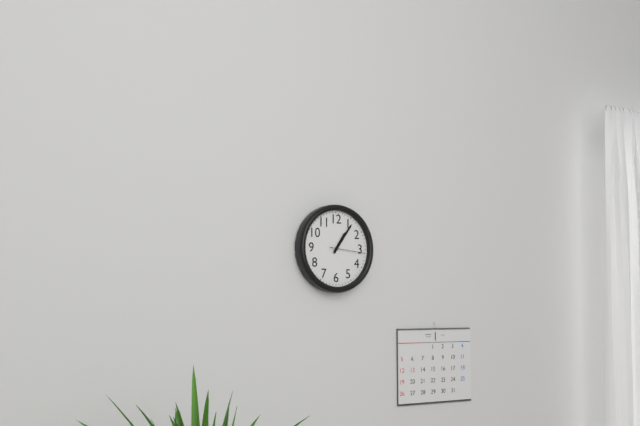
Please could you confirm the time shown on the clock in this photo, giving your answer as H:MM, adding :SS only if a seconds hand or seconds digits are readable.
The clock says 1:06
